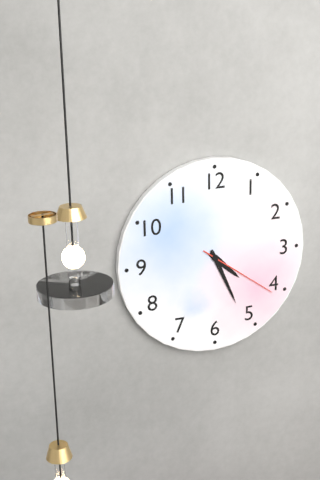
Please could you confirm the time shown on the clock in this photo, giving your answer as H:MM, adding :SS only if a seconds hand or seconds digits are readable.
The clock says 4:26:21
